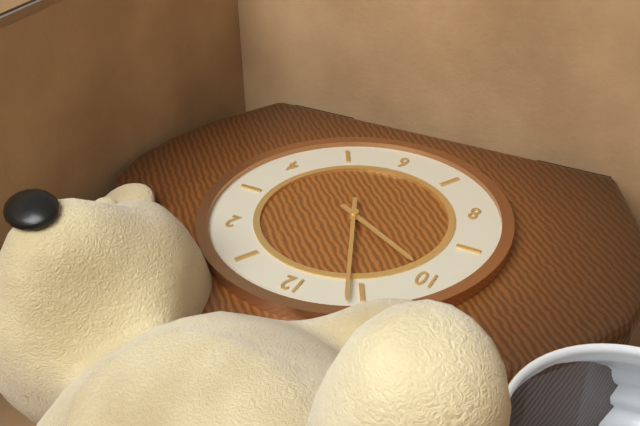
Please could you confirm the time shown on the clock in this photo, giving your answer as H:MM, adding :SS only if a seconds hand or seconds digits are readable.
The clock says 9:56
